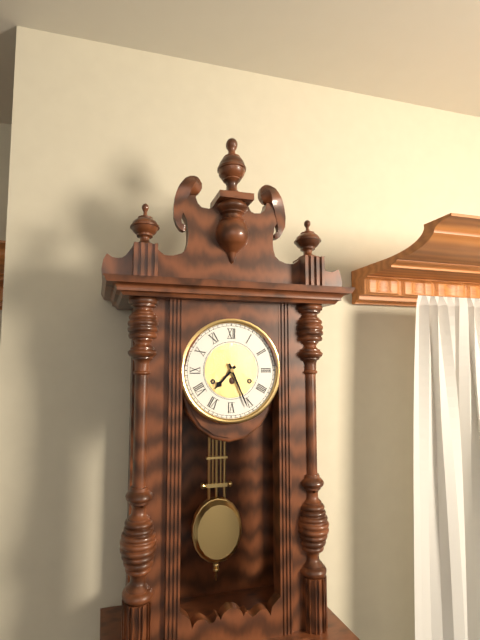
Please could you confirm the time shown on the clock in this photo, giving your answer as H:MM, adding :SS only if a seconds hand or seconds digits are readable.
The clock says 7:26
